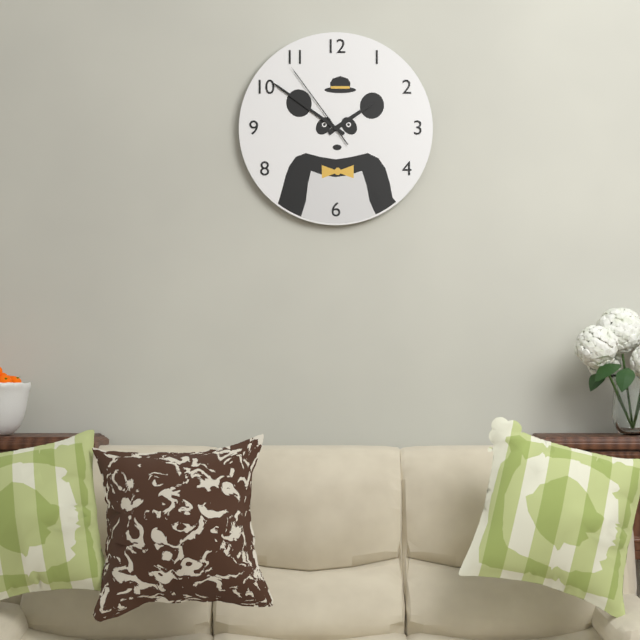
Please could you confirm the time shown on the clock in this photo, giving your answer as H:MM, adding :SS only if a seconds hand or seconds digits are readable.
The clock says 1:51:54
